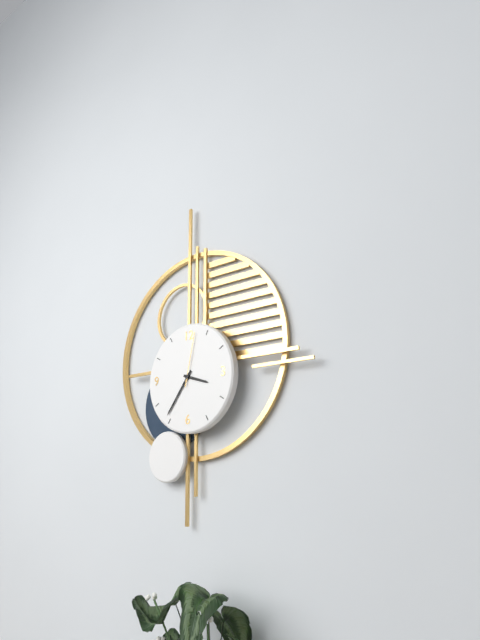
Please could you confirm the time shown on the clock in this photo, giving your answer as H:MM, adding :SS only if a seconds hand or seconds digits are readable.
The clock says 3:36:02
